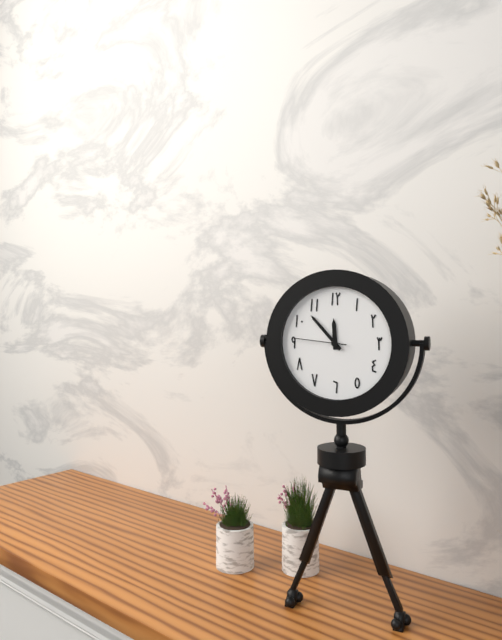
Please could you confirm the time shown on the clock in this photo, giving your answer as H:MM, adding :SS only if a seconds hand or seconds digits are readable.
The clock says 11:53:46
